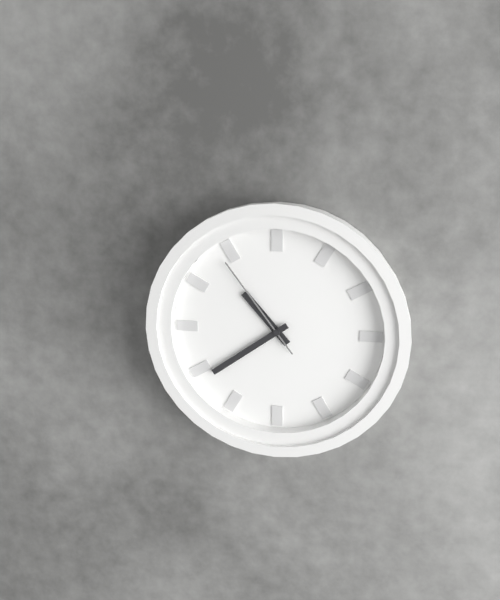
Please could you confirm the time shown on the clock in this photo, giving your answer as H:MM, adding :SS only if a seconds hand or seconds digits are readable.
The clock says 10:39:54
